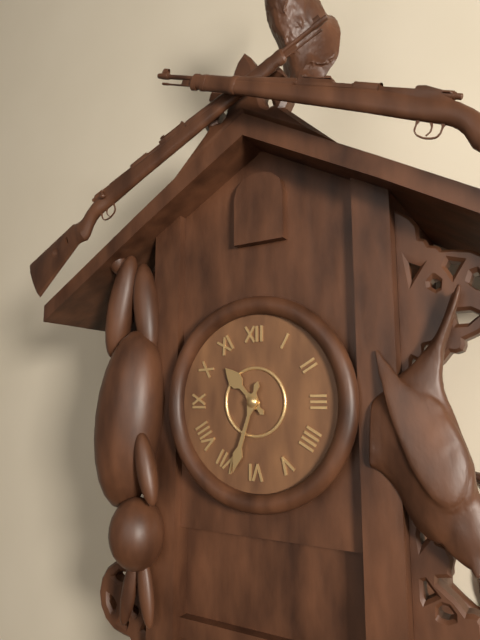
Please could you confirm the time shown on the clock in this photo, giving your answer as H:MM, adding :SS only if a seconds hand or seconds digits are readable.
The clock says 10:33
